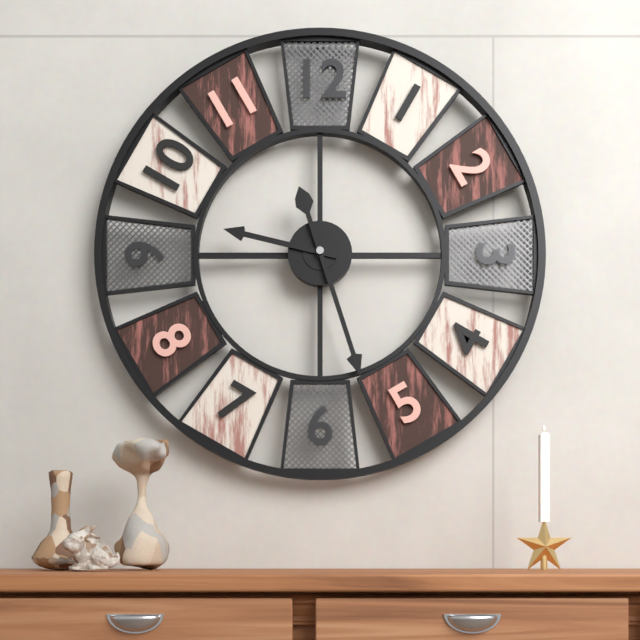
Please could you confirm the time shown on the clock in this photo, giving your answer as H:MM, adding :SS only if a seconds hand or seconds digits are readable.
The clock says 9:27
